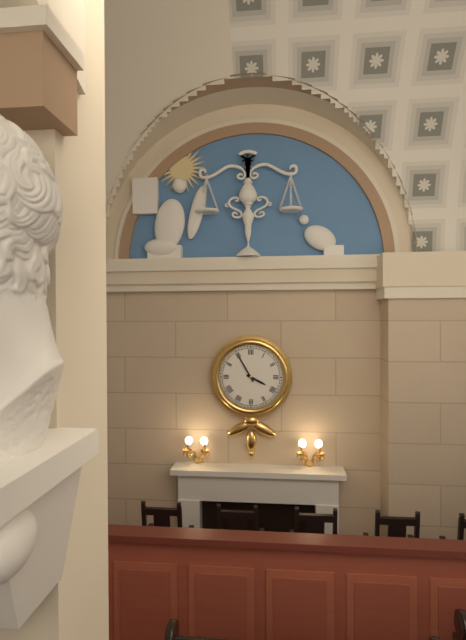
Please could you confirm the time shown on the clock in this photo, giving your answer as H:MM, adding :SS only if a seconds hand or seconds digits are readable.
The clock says 3:55
